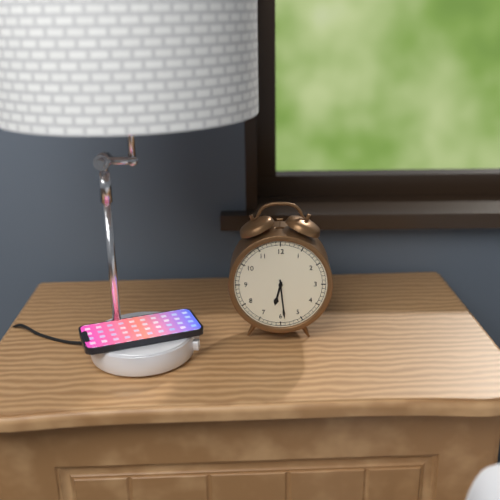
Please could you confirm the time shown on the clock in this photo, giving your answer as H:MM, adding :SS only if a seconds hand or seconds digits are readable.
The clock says 6:29
